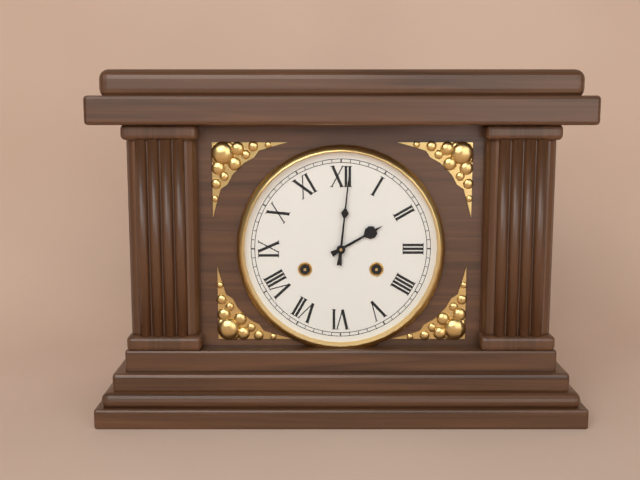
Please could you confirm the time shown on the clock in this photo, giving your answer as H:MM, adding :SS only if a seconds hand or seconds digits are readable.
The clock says 2:01
